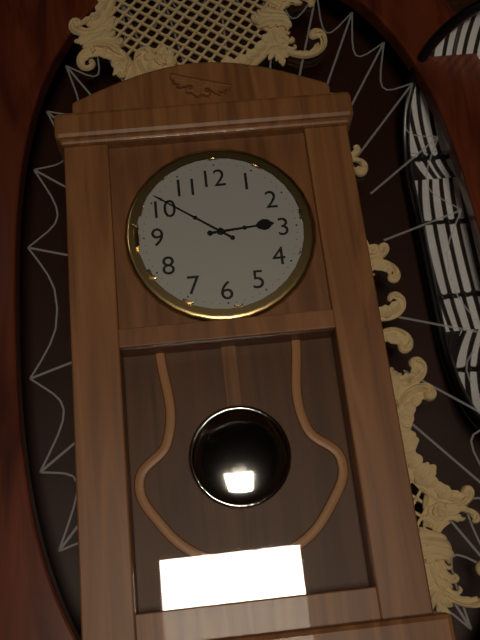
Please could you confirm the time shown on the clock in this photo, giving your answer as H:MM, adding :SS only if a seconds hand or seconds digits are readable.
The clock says 2:51
